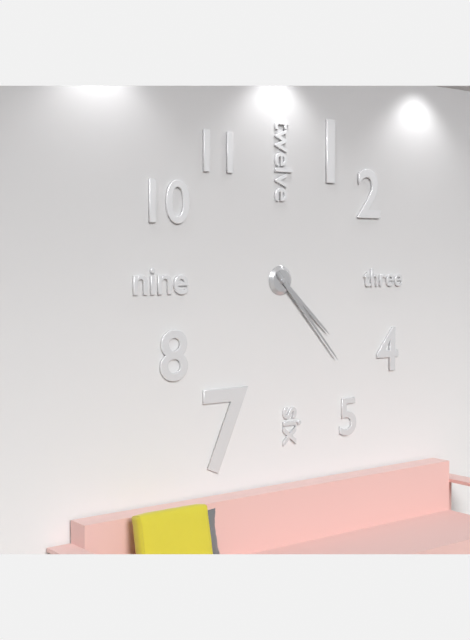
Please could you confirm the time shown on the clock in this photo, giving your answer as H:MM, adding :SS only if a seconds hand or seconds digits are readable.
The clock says 4:23
